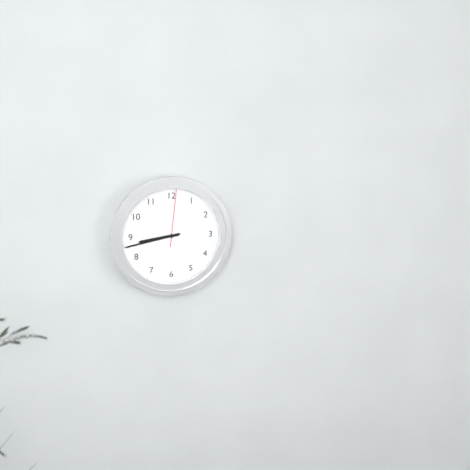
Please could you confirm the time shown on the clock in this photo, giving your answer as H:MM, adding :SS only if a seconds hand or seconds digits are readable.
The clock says 8:43:01
